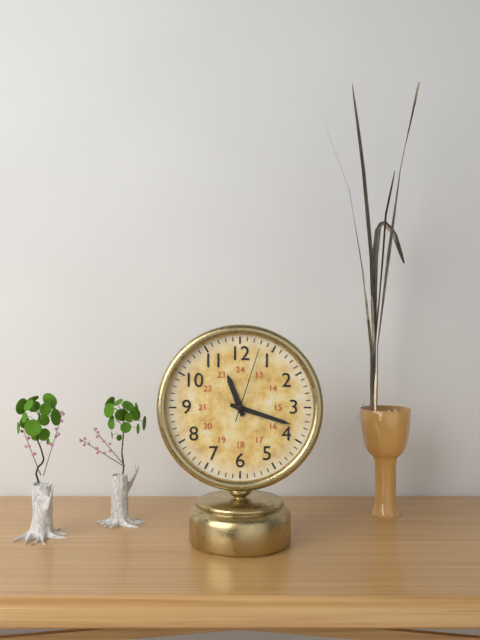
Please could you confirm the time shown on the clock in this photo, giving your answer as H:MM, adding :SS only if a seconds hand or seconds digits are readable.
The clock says 11:18:03
